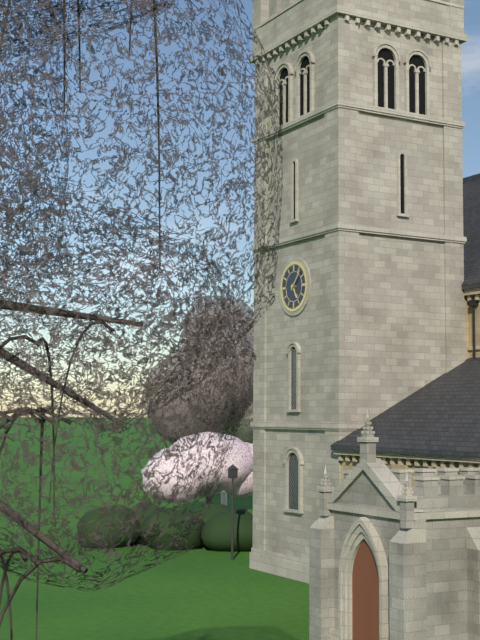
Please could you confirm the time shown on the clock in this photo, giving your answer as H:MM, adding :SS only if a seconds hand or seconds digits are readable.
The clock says 5:07
